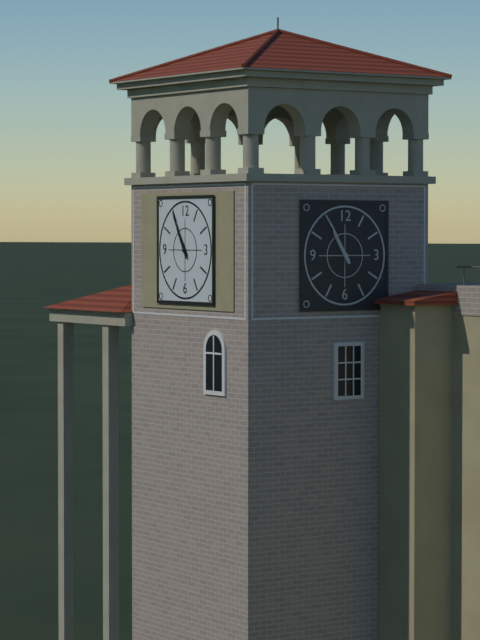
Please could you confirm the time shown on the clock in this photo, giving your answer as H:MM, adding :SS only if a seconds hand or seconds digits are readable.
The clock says 10:55
